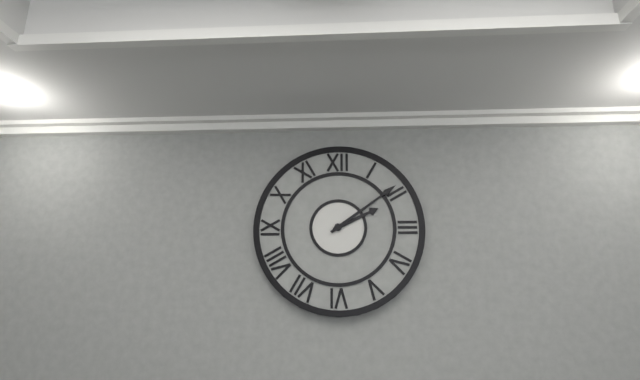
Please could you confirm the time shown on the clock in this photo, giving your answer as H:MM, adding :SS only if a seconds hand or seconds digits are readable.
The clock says 2:09
